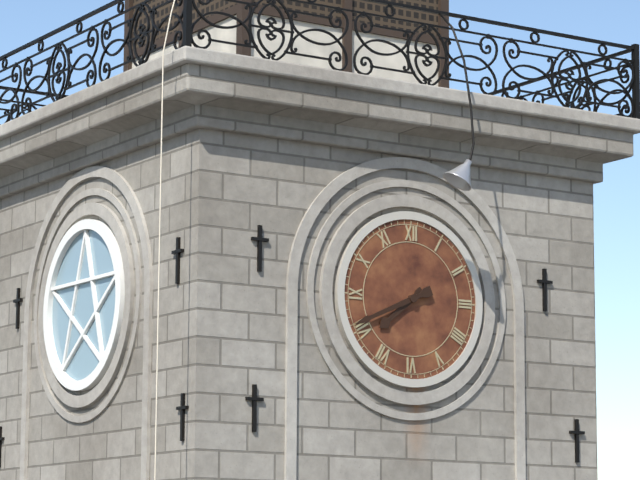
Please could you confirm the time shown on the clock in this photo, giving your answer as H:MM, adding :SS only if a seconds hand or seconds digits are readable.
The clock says 7:41
